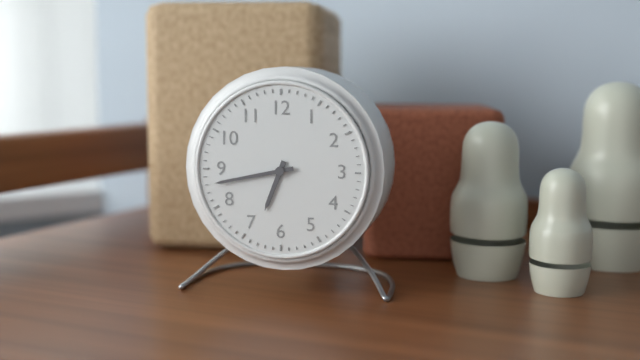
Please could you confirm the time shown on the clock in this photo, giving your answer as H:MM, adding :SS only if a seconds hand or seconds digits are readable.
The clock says 6:43
